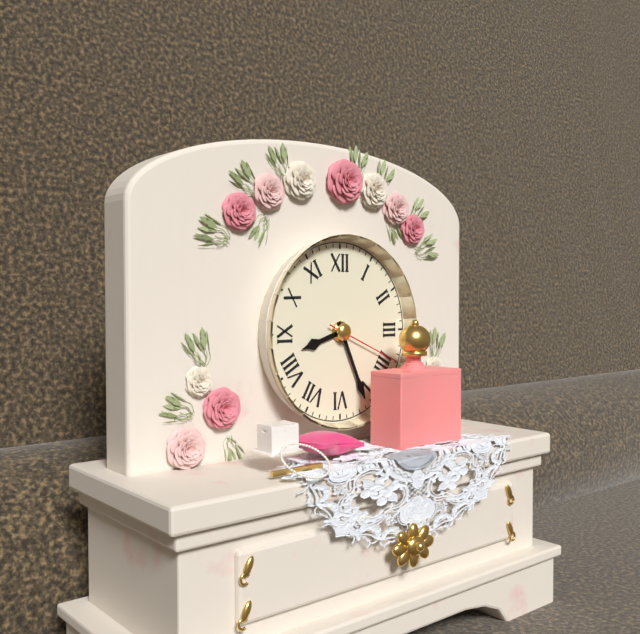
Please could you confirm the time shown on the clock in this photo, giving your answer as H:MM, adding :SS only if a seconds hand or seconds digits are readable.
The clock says 8:26:19
